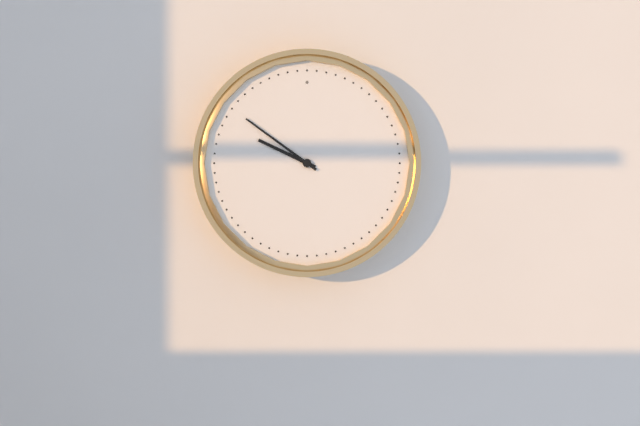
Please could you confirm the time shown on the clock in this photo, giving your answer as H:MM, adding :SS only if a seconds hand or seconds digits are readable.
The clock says 9:51
